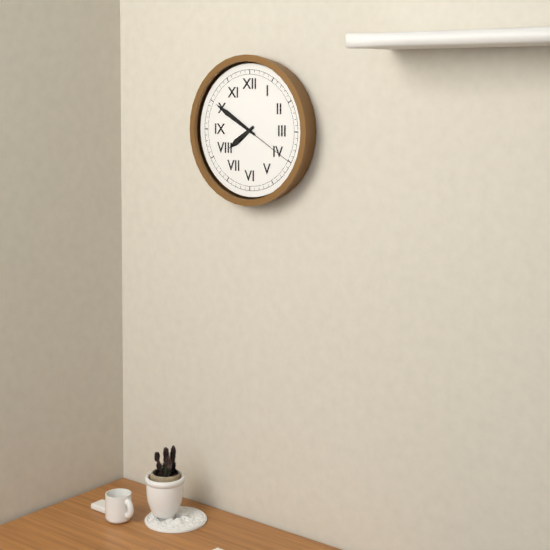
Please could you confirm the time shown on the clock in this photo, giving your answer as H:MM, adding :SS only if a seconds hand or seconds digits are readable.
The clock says 7:50:20
